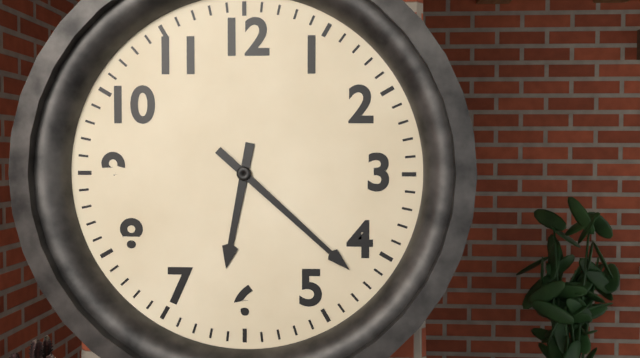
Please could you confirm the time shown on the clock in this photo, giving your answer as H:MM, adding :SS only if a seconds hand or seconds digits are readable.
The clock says 6:22
